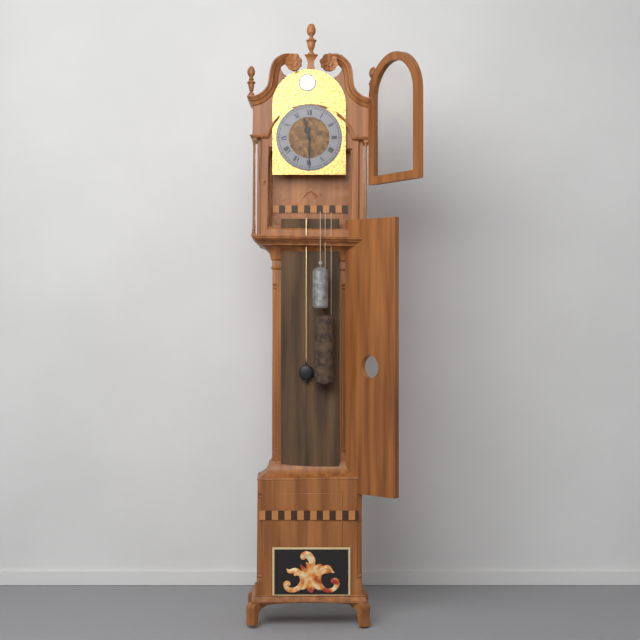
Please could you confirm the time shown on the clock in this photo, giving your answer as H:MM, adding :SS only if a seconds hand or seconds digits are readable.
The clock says 11:30
